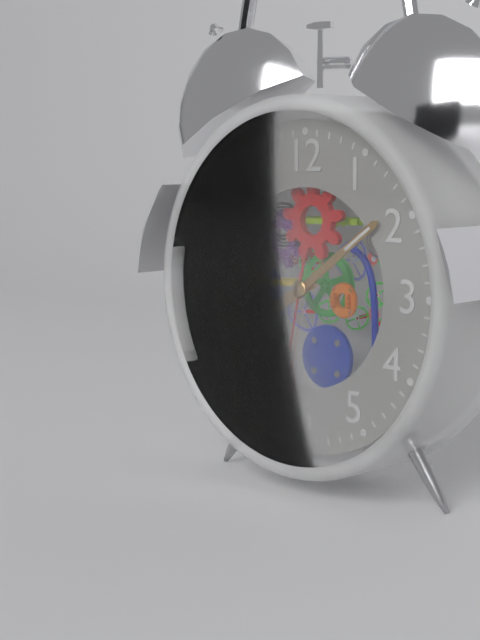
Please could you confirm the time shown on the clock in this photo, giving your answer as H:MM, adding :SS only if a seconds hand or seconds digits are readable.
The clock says 8:09:32
